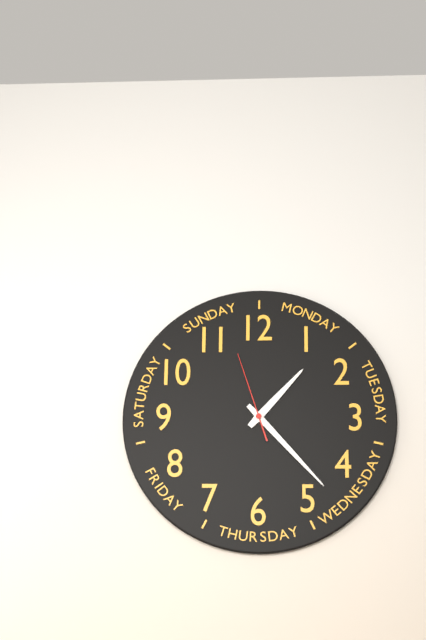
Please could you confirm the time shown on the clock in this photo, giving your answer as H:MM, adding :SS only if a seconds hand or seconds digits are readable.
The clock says 1:23:57
